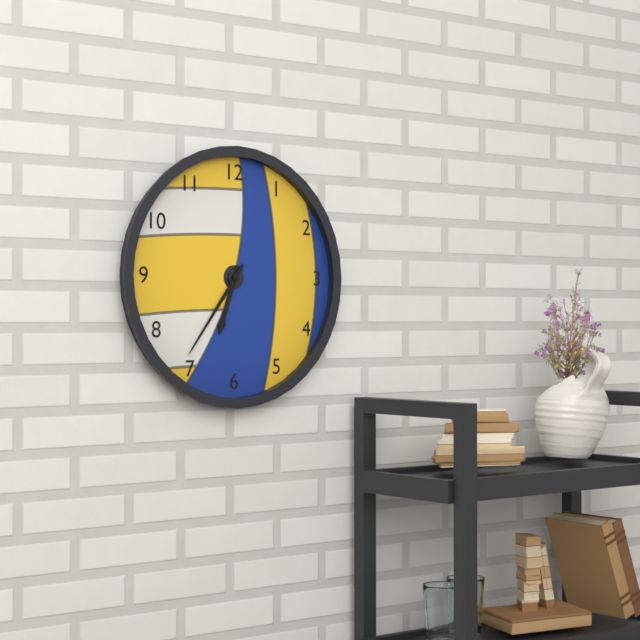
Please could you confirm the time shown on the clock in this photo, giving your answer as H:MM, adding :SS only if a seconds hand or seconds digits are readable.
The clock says 6:36
